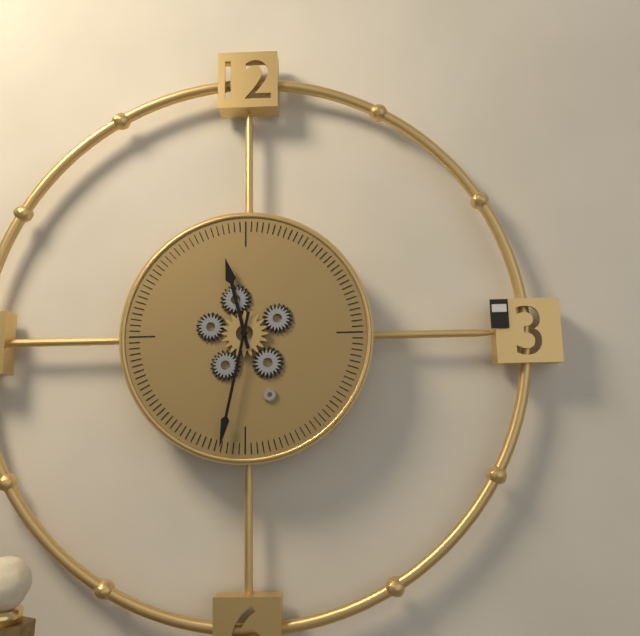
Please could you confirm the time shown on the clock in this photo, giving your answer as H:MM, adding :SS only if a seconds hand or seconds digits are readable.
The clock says 11:32
